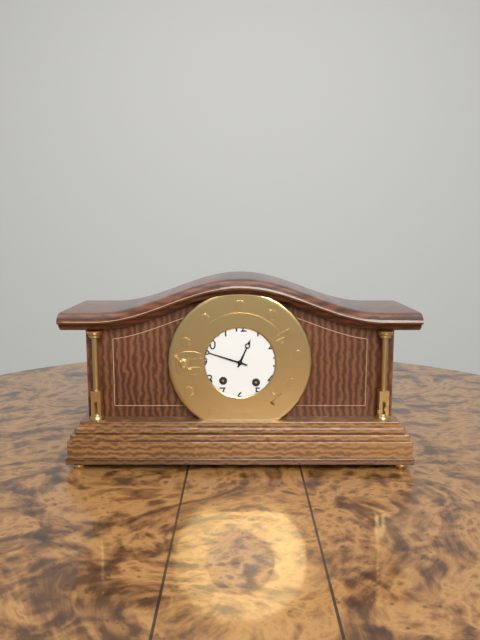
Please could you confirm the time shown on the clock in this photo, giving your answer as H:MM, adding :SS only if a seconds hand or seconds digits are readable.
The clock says 12:48
